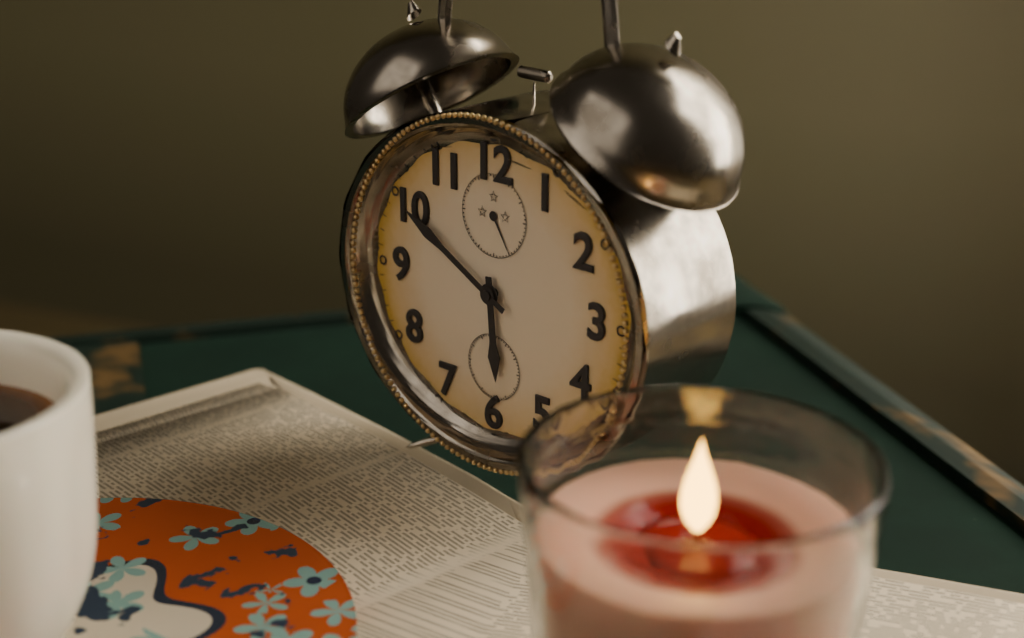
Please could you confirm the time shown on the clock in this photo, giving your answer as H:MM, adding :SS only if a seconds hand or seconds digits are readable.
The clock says 5:50
